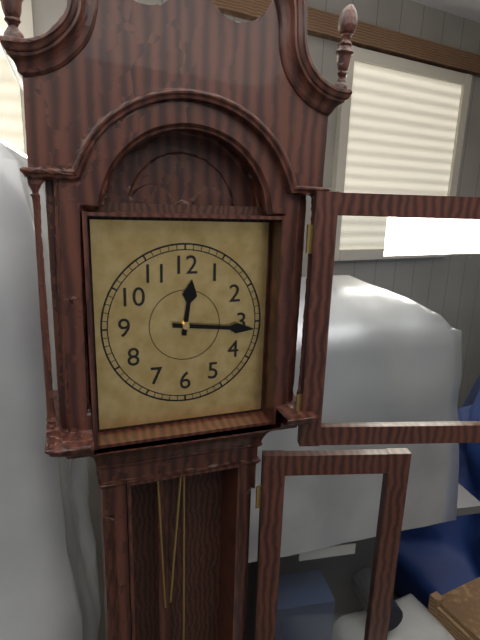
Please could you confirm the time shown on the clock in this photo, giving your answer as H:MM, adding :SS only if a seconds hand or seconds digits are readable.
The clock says 12:16
